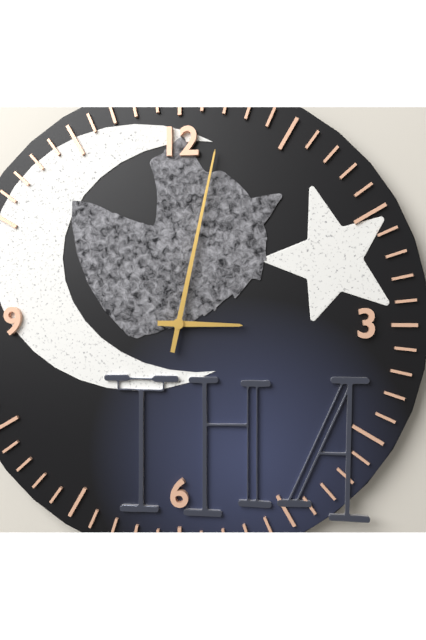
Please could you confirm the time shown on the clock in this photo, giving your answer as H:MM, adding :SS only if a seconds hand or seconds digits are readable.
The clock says 3:02
